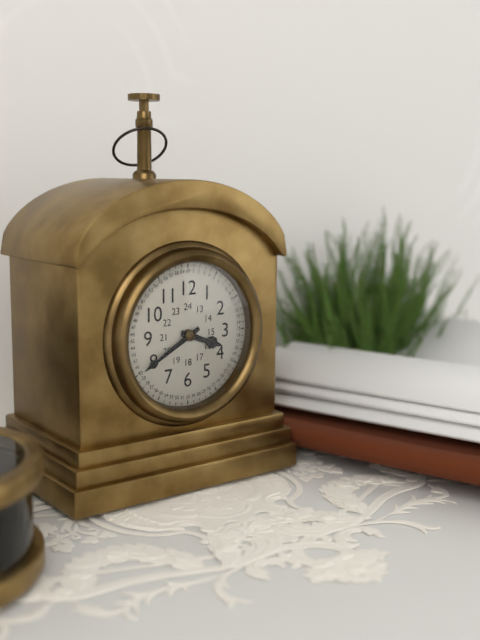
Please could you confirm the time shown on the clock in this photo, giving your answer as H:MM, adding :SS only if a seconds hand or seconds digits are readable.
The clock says 3:40
